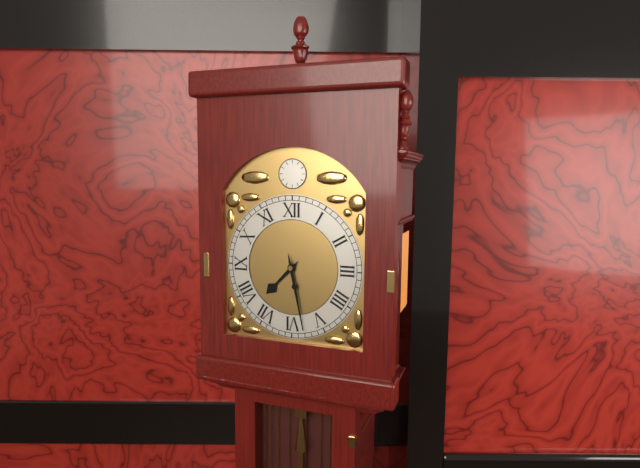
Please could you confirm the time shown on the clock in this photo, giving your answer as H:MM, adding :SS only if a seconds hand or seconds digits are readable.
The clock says 7:28
